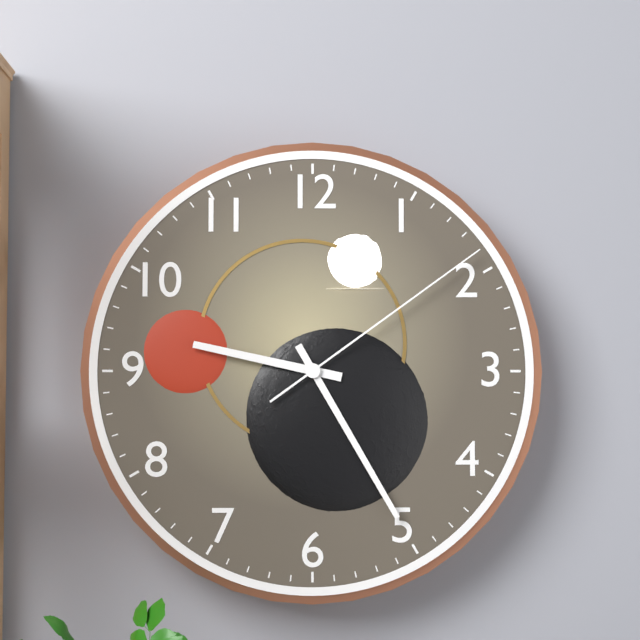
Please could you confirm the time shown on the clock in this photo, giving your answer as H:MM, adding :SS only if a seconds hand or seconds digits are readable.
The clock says 9:25:09
